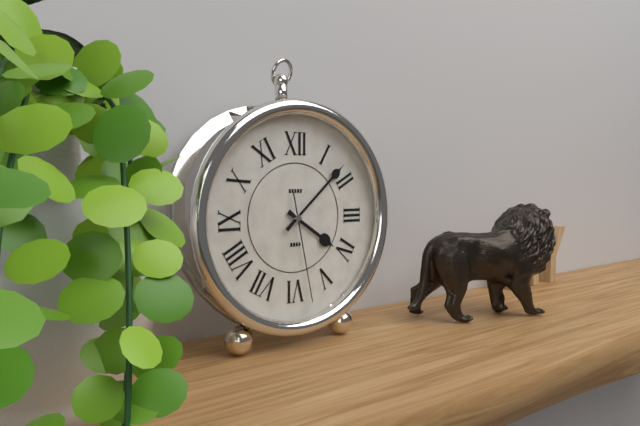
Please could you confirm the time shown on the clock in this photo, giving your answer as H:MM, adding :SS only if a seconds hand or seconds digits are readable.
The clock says 4:08:28
